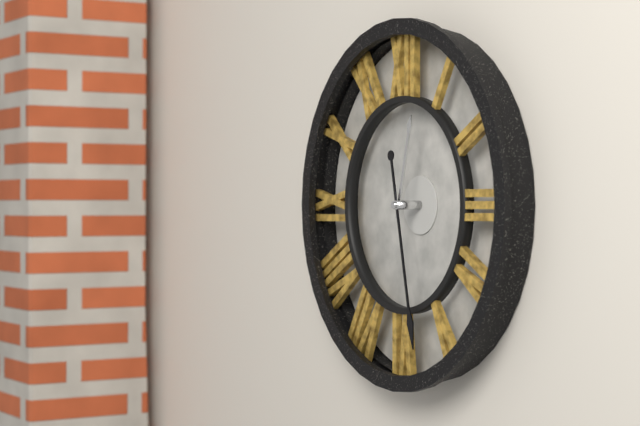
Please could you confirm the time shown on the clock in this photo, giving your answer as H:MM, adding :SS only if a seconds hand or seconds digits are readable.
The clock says 12:28
